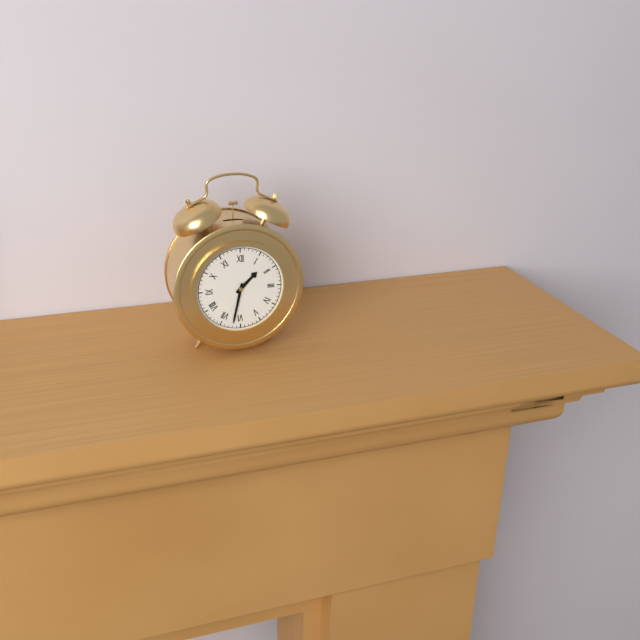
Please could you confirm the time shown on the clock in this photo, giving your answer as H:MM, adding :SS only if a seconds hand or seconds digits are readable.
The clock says 1:32
